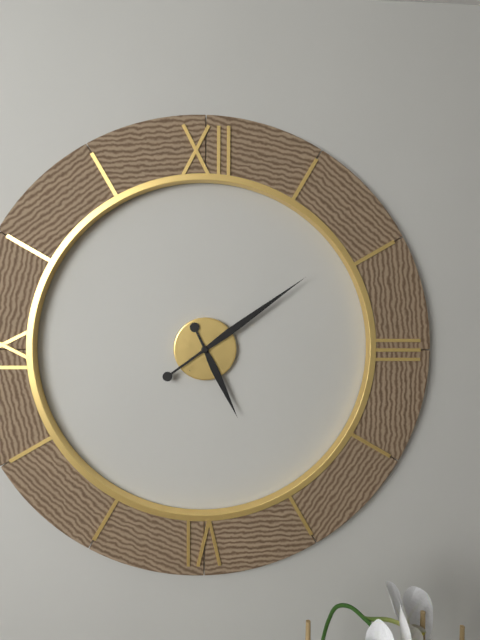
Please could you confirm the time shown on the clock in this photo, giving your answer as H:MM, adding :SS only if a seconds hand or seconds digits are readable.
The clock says 5:09
